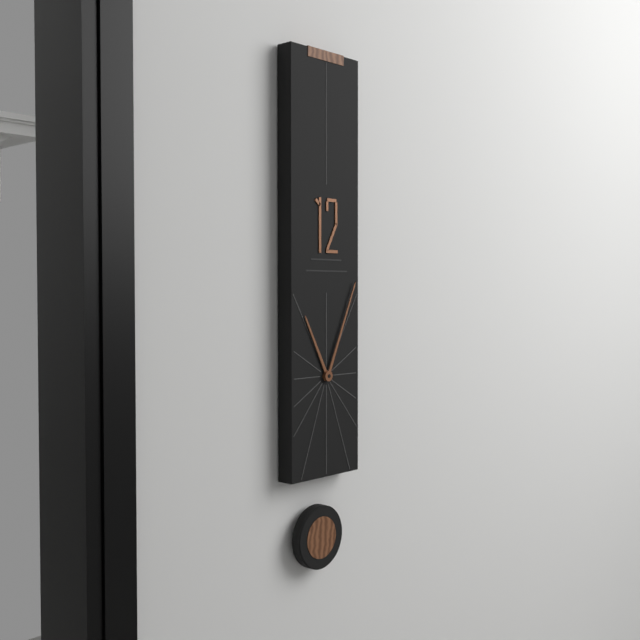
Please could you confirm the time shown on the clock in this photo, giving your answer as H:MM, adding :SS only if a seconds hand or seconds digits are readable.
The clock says 11:04
